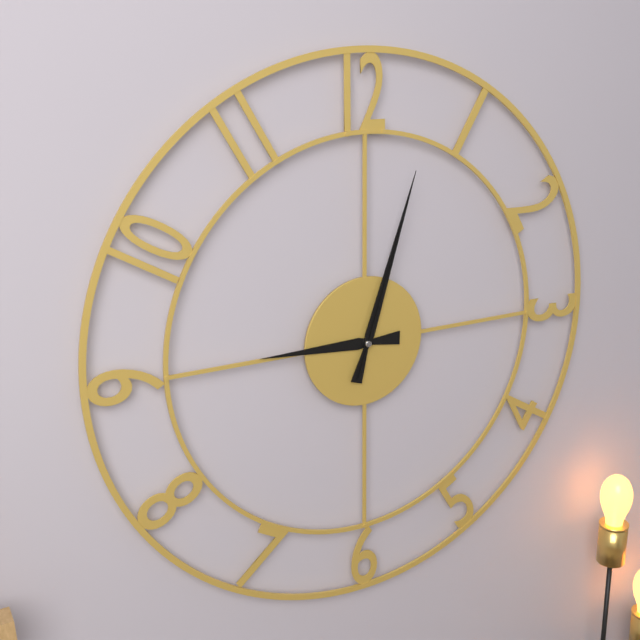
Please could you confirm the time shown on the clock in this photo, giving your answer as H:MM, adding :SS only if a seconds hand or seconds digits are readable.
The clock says 9:03:03
